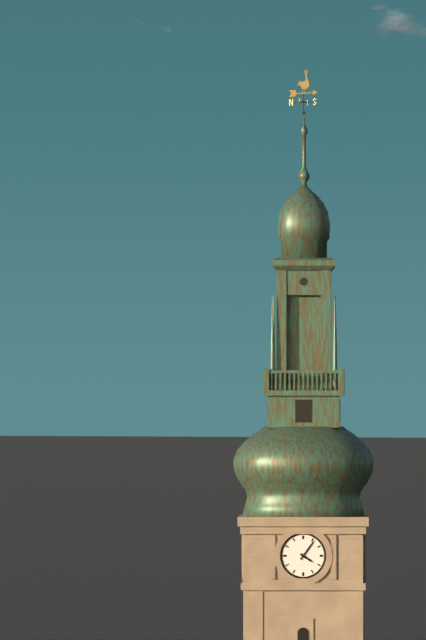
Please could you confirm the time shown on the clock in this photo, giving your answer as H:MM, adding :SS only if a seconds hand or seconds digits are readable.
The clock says 4:06
